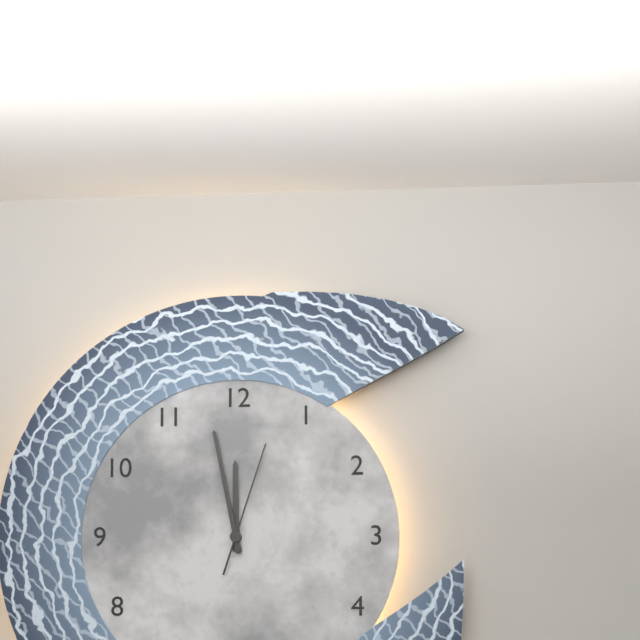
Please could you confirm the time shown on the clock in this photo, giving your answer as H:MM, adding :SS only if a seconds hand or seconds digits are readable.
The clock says 11:58:03
